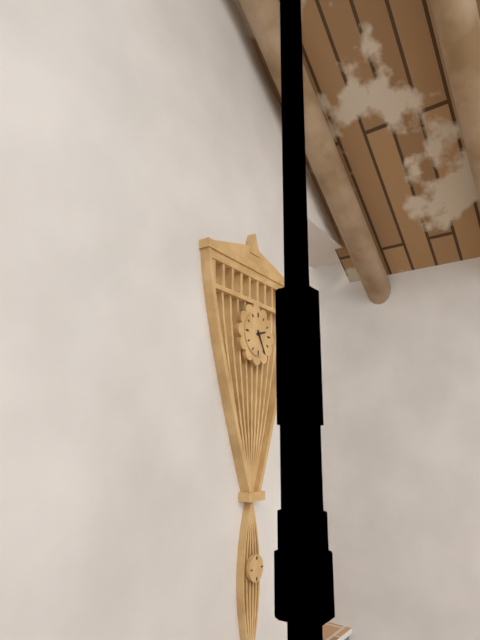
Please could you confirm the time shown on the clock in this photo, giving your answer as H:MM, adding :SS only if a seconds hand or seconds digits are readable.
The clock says 2:25
